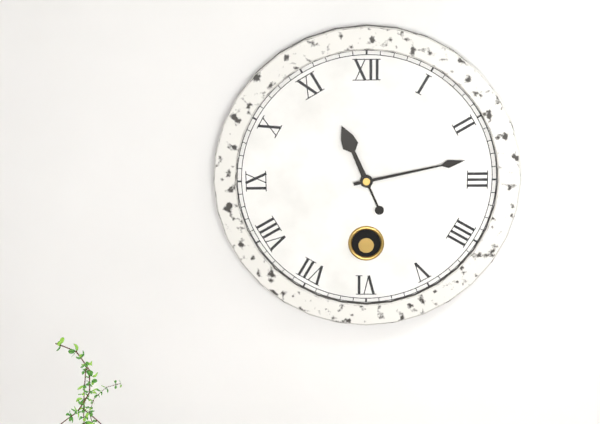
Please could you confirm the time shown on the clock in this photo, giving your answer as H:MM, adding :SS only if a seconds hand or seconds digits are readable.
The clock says 11:13
